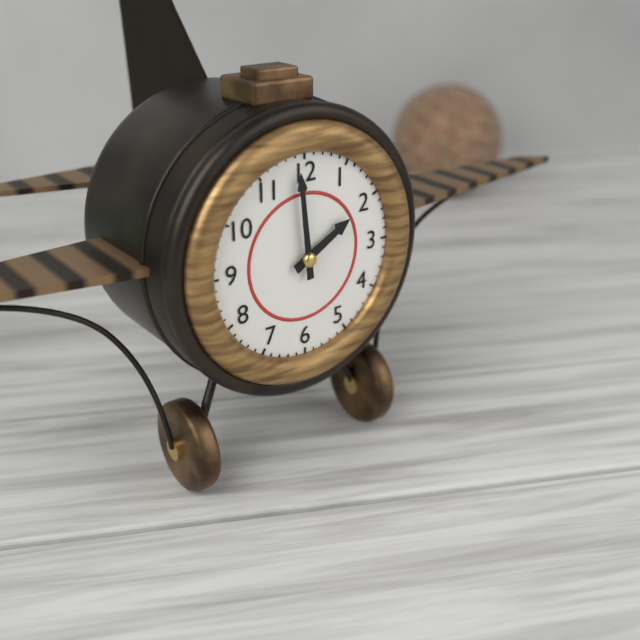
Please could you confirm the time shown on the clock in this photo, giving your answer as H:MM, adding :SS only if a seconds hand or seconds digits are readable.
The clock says 1:59
